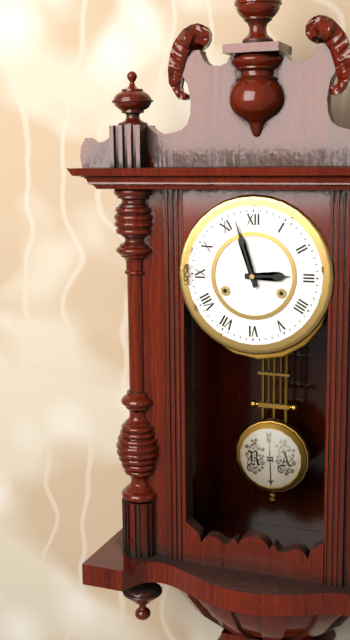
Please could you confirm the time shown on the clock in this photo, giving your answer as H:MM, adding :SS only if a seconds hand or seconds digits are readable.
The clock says 2:57
